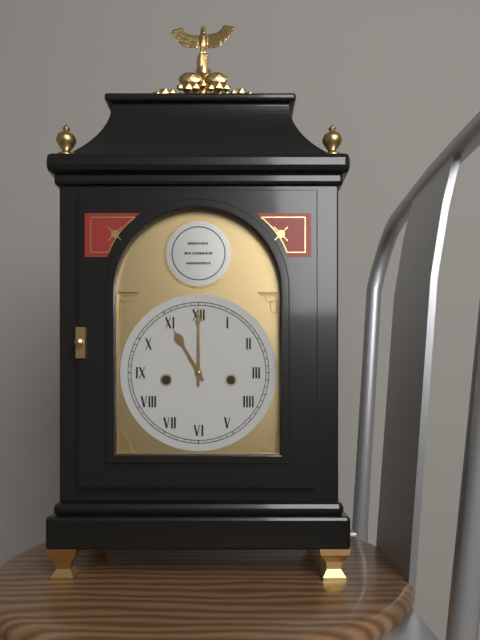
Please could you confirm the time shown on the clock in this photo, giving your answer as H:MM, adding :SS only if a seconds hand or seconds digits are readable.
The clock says 11:00
